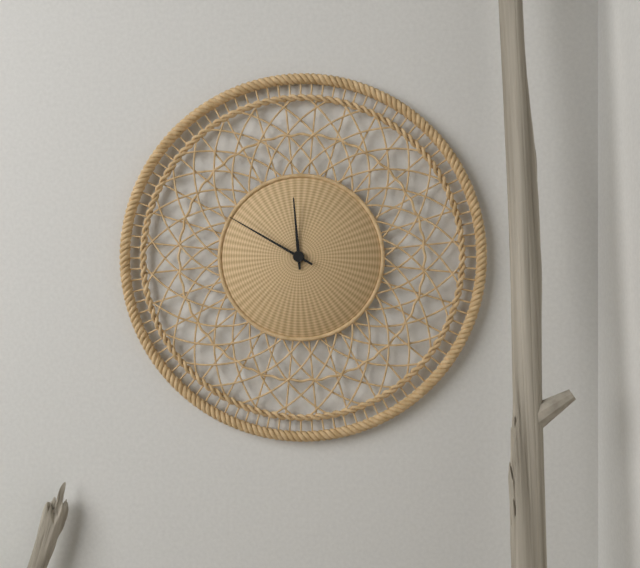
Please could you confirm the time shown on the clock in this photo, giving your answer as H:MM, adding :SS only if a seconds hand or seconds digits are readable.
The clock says 11:50
